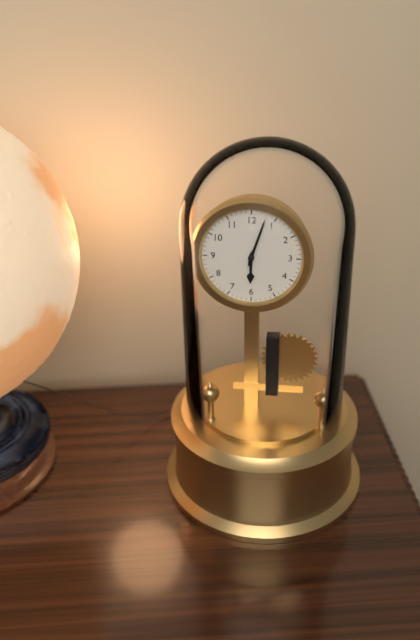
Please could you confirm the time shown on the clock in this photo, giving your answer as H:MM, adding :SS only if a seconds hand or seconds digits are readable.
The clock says 6:03
